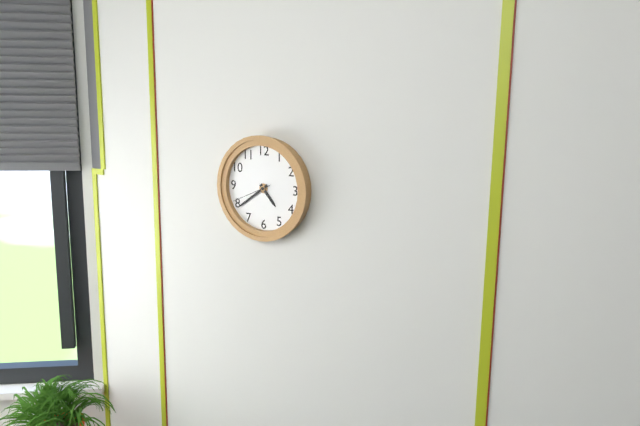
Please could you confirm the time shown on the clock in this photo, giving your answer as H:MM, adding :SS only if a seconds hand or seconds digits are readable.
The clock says 4:39
